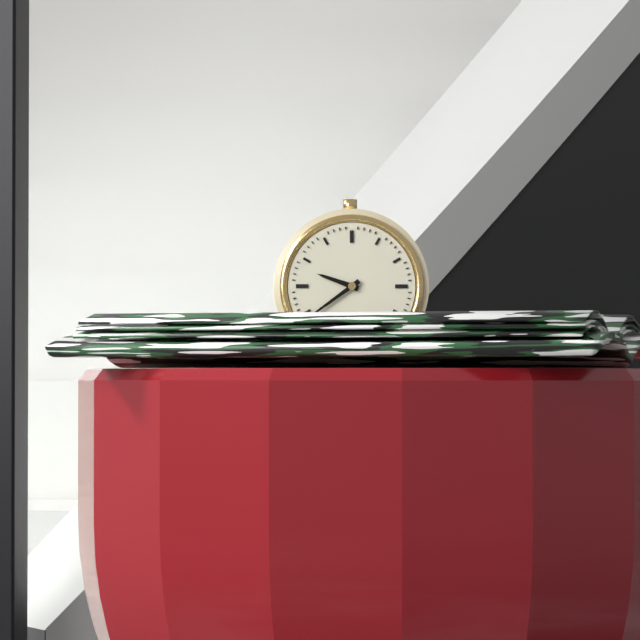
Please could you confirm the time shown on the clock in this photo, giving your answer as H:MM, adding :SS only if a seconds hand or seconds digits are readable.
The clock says 9:39
